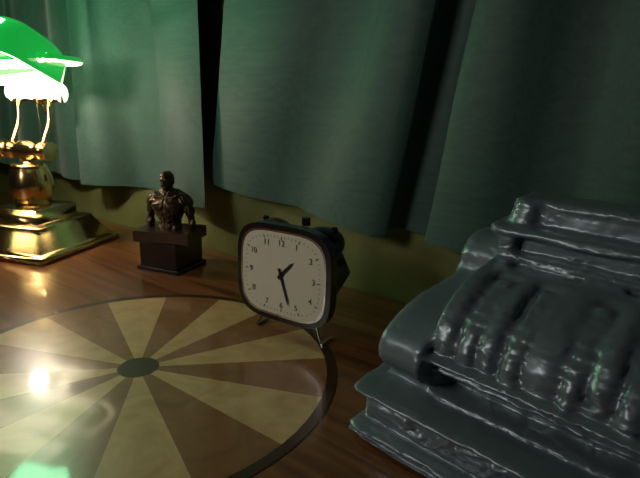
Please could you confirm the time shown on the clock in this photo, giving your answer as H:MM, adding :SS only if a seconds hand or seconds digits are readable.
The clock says 1:27
